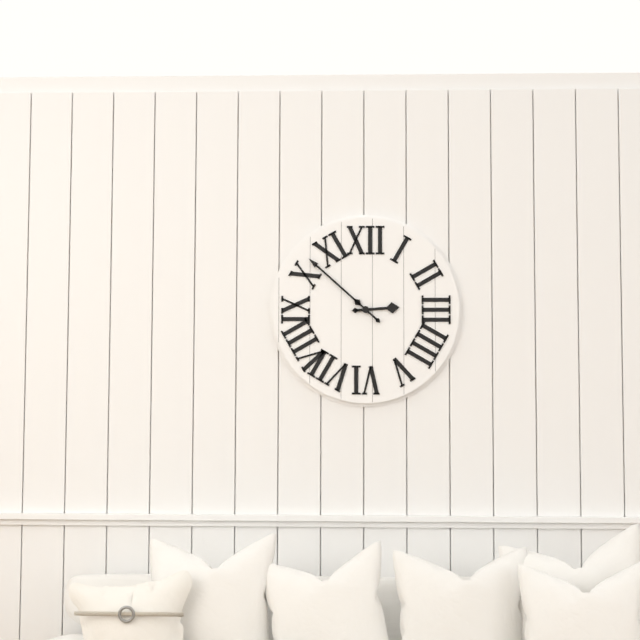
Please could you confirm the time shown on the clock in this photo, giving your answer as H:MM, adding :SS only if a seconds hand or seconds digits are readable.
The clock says 2:52
